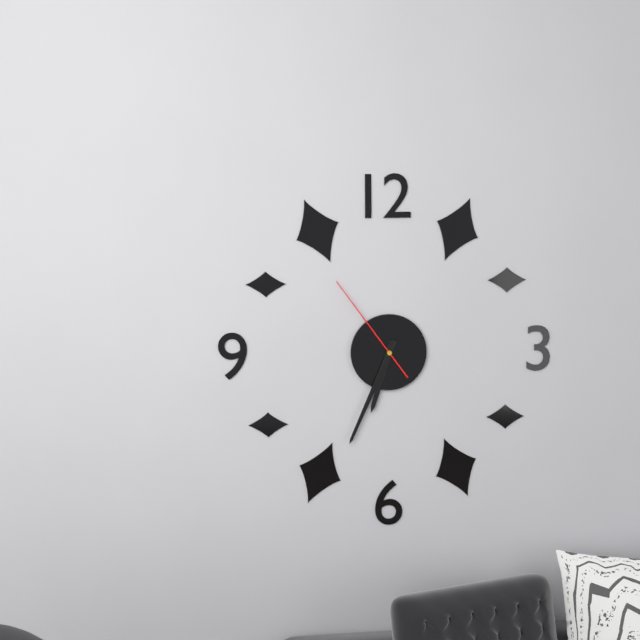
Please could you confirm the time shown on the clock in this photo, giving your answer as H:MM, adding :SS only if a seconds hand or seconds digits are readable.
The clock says 6:34:54
